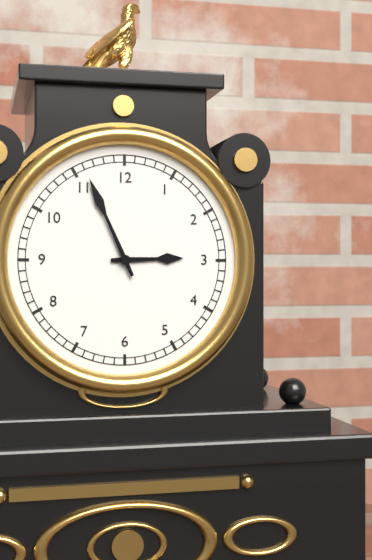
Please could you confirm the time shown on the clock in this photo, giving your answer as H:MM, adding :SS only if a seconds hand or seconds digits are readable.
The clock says 2:56
